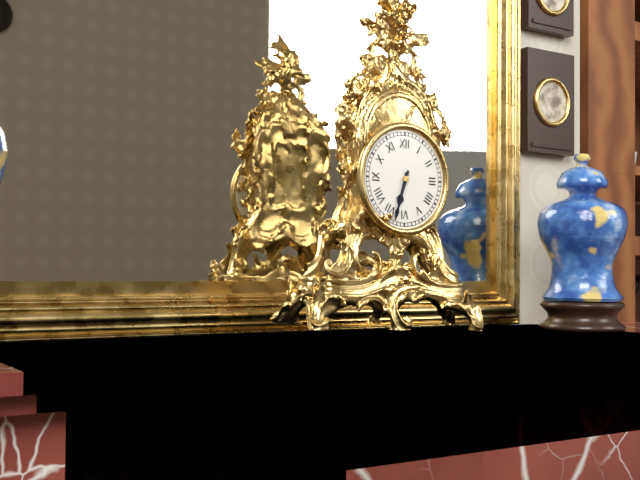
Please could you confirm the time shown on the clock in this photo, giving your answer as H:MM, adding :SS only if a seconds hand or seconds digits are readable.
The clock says 6:33
